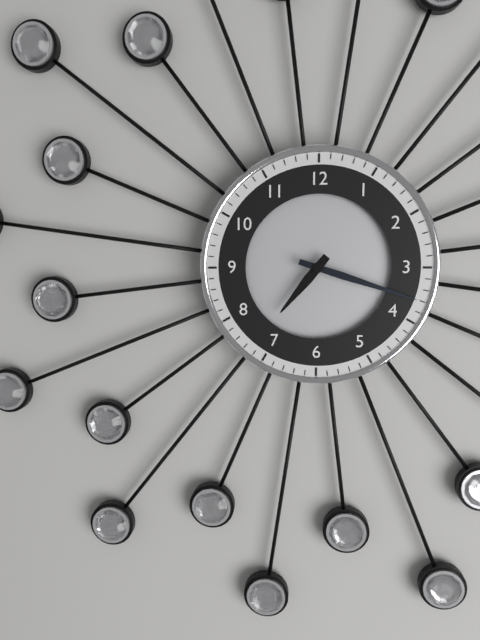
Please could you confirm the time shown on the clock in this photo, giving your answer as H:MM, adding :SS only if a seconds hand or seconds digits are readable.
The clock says 7:18
